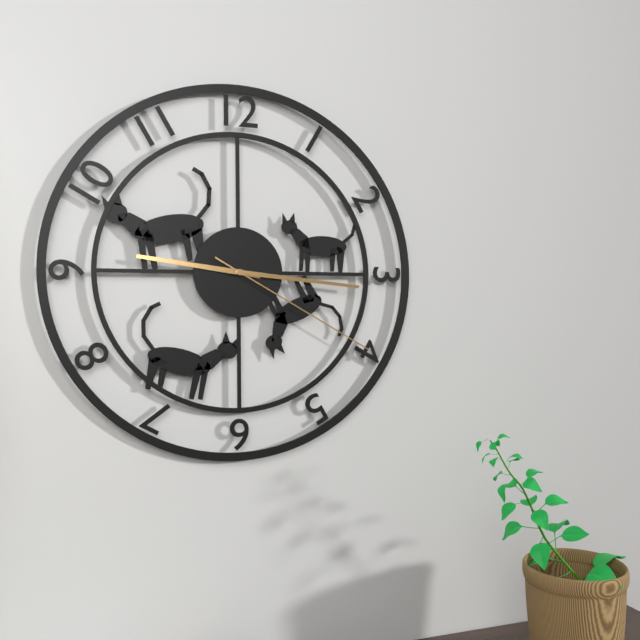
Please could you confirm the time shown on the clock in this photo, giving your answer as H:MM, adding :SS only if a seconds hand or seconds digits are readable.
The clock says 9:16:20
